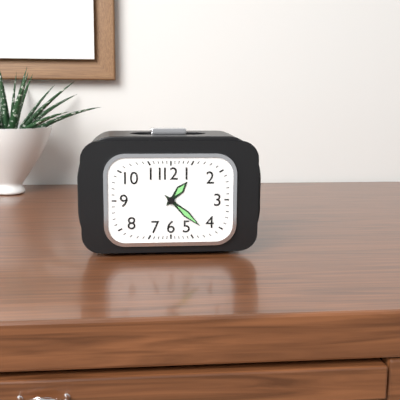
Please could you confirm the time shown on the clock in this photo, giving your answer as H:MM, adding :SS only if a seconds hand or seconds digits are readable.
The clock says 1:22
